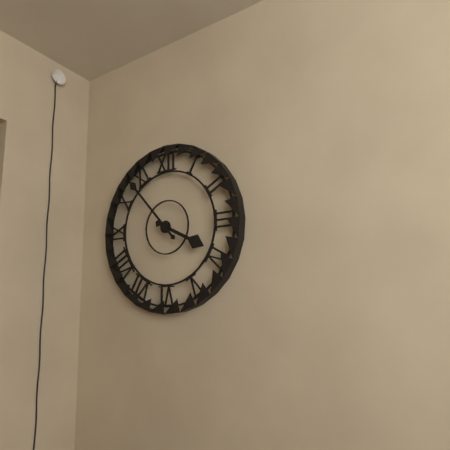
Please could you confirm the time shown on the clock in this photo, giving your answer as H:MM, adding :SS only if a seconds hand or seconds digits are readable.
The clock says 3:53
